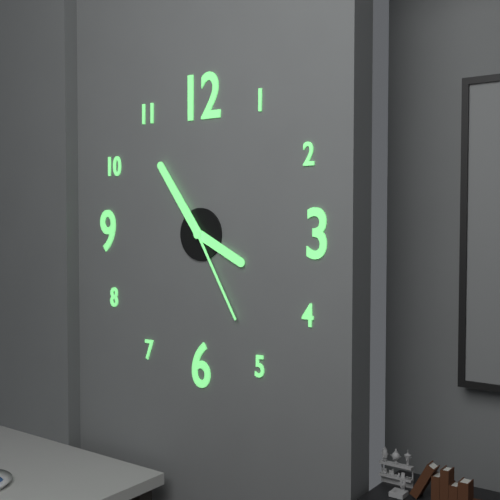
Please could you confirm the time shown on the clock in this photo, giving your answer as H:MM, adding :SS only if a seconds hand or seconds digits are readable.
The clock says 3:54:25
